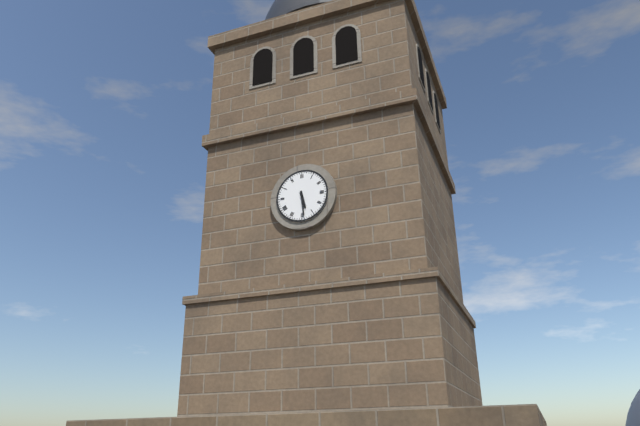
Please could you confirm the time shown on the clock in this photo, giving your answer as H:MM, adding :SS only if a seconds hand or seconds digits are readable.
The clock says 5:29
